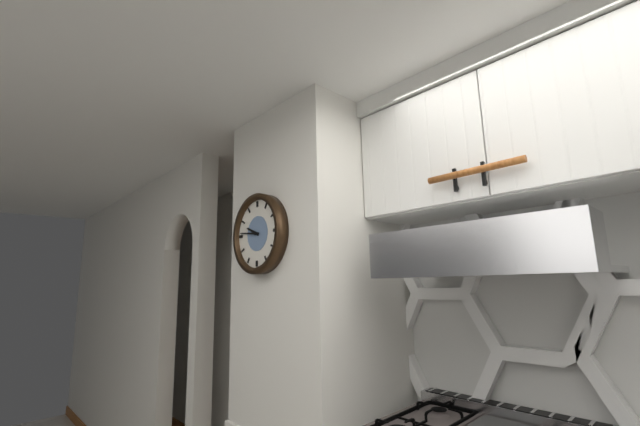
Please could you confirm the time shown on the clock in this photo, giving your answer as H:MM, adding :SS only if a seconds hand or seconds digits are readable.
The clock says 9:46
